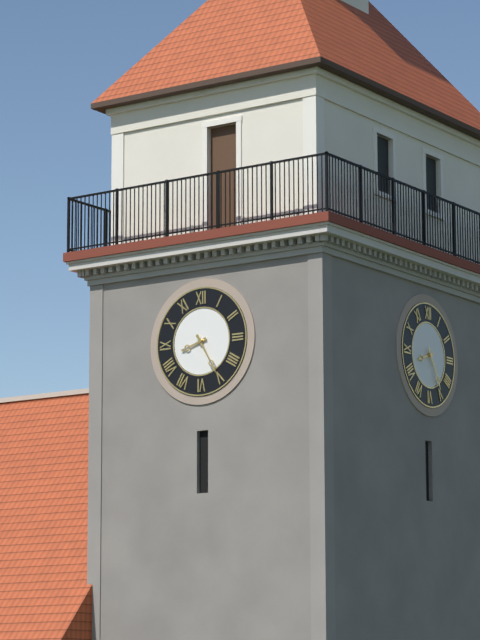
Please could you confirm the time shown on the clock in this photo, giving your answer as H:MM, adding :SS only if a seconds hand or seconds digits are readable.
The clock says 8:25
